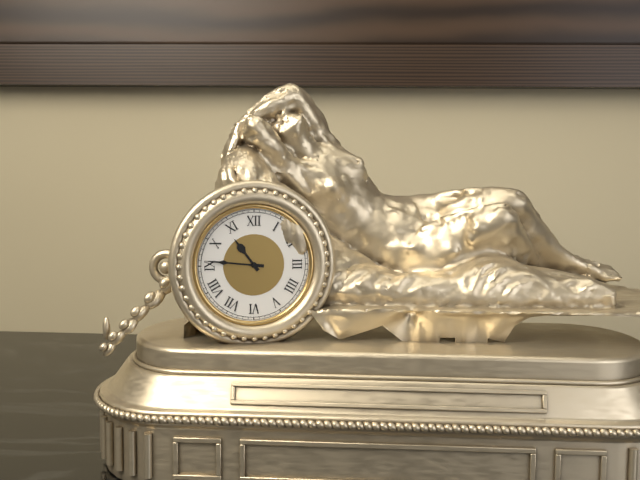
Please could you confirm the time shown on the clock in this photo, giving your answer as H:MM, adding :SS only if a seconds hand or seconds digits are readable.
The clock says 10:46
